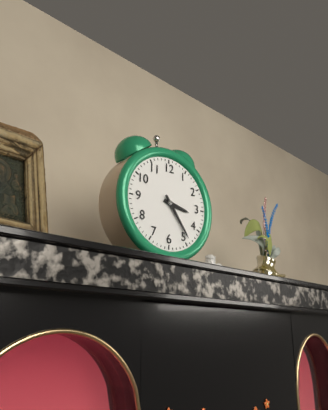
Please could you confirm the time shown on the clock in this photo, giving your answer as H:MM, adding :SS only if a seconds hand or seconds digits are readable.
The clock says 3:24
